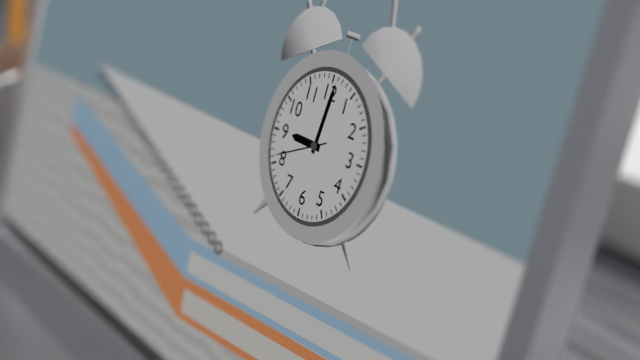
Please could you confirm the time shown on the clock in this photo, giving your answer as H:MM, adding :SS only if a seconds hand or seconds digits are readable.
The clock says 9:01:41
